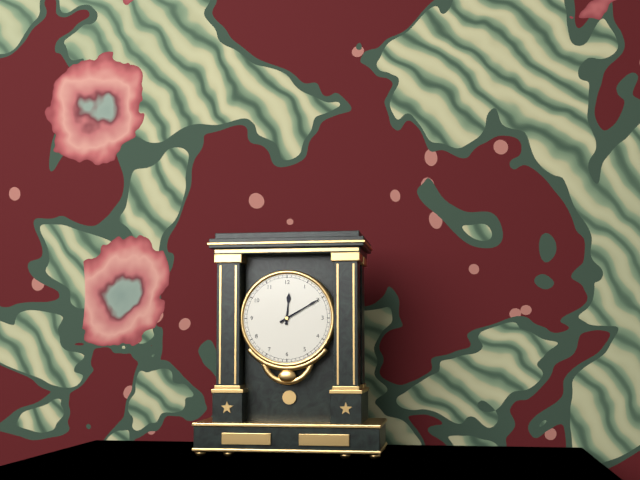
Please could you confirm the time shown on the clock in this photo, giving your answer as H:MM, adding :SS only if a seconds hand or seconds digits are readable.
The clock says 12:10
